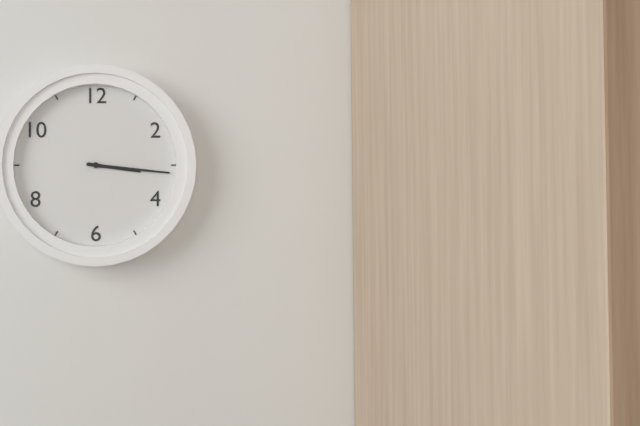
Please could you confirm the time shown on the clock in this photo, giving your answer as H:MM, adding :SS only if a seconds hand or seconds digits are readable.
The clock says 3:16
